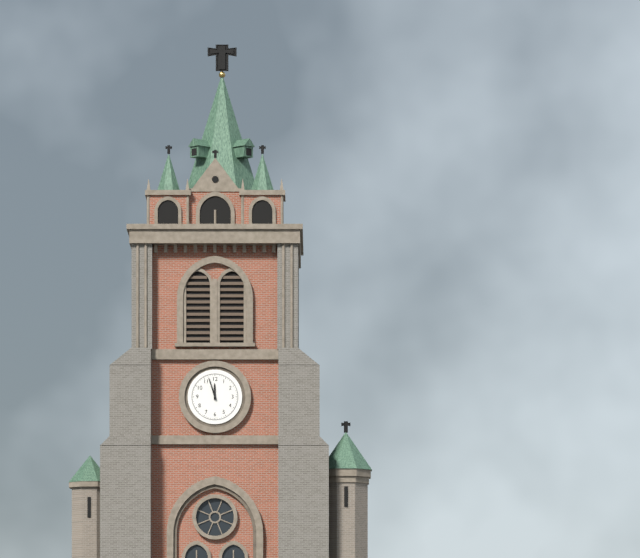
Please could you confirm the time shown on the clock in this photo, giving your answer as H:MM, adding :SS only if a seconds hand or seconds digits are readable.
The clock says 11:57
